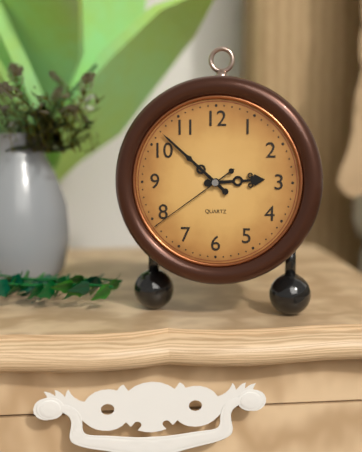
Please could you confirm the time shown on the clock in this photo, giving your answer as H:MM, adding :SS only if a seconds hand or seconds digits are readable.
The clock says 2:52:39
